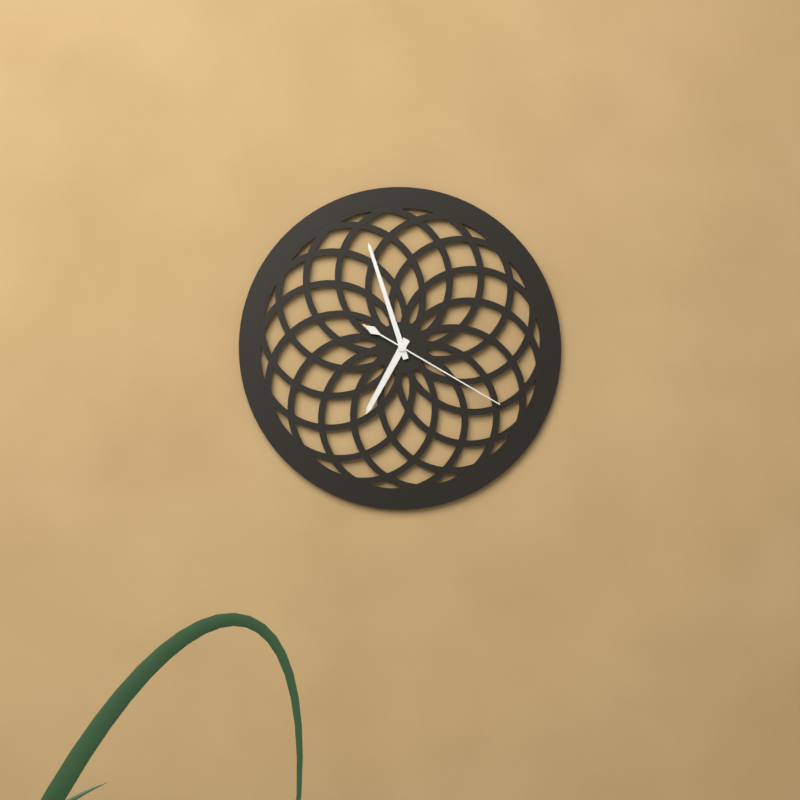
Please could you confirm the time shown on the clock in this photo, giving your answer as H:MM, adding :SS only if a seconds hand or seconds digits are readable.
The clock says 6:57:20
